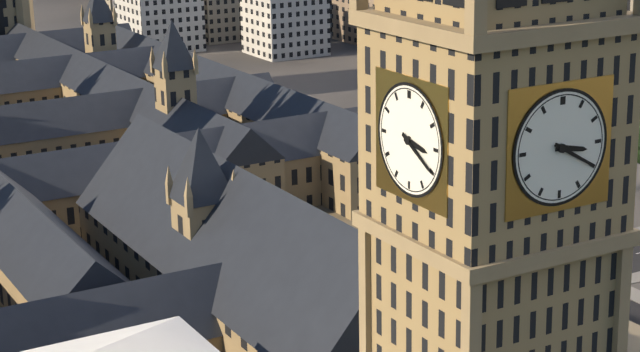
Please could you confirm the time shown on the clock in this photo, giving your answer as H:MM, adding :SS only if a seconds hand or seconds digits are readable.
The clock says 3:20
